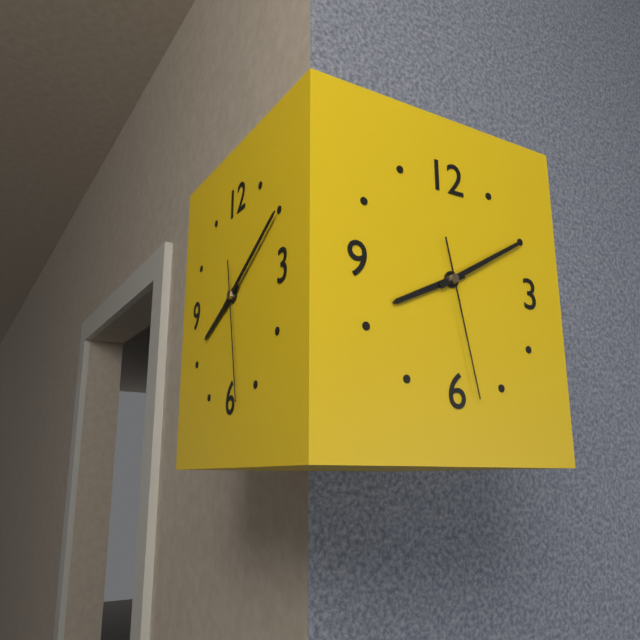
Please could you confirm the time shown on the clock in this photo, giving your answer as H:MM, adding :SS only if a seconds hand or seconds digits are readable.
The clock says 8:10:28
